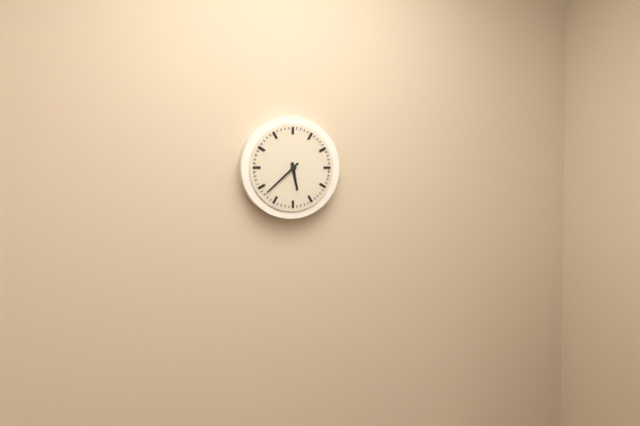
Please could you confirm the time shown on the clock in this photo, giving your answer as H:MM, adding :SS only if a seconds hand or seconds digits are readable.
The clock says 5:38
